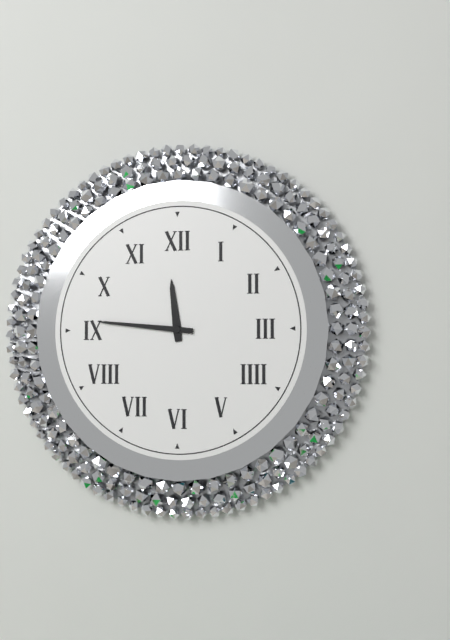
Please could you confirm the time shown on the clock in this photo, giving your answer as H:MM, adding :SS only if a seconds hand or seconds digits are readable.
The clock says 11:46
